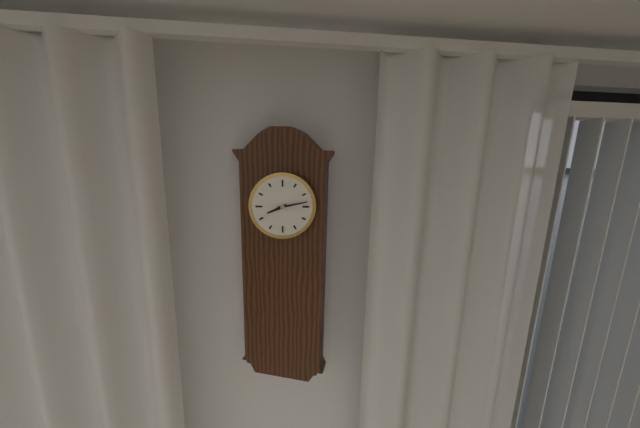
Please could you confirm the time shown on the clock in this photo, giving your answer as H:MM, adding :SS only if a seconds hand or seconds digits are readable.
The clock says 8:13
